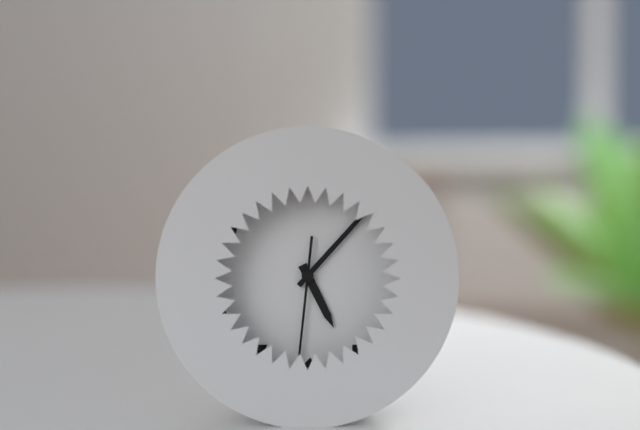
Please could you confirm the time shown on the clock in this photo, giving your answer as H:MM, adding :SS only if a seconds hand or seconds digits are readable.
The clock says 5:07:31
